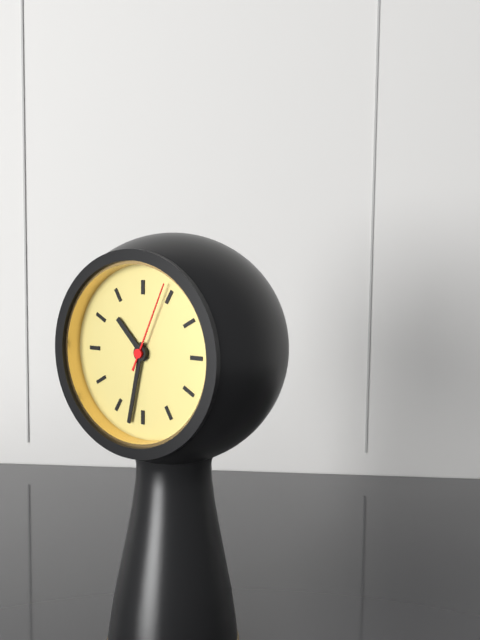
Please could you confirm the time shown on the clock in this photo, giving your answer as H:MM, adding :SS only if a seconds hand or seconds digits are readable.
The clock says 10:32:04
